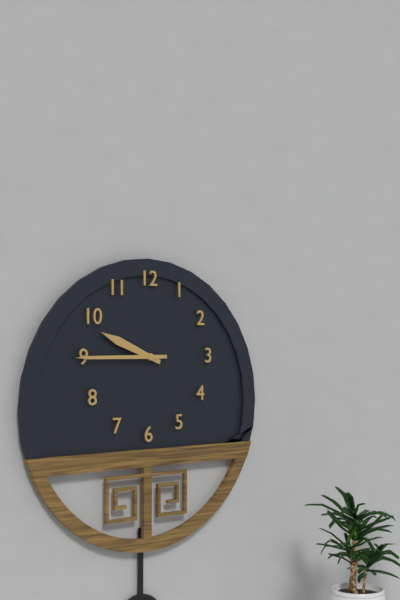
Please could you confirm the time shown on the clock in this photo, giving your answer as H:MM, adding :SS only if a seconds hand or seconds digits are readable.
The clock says 9:45
